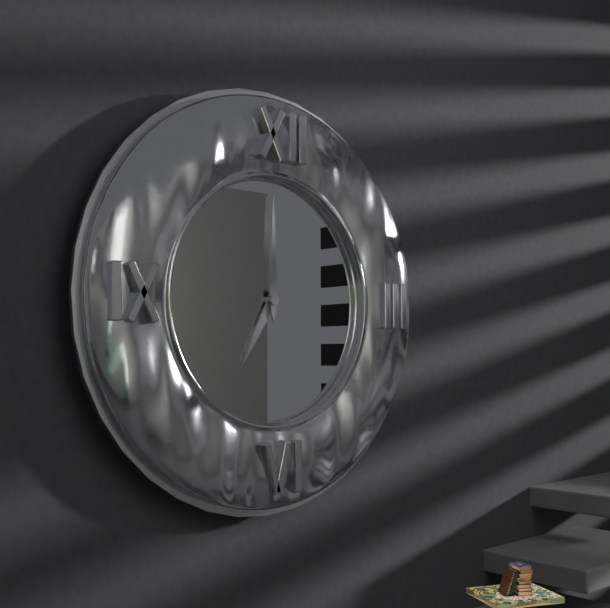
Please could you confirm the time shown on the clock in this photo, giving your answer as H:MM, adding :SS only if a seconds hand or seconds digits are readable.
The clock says 7:00
